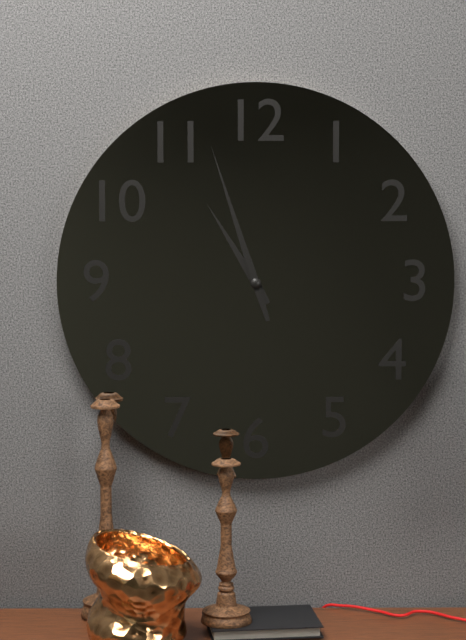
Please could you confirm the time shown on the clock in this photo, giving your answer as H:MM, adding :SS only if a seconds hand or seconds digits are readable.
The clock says 10:57
